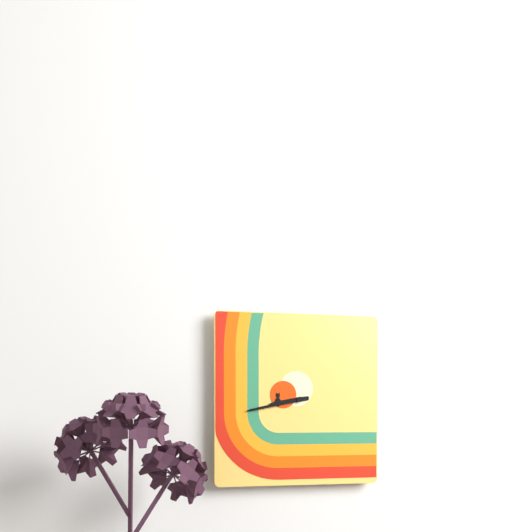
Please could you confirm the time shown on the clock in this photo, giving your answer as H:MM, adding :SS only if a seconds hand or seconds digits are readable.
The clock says 8:43
